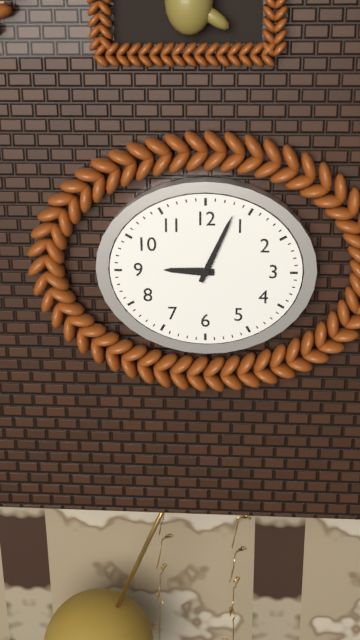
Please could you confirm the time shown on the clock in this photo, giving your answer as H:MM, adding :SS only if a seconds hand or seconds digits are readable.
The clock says 9:04
